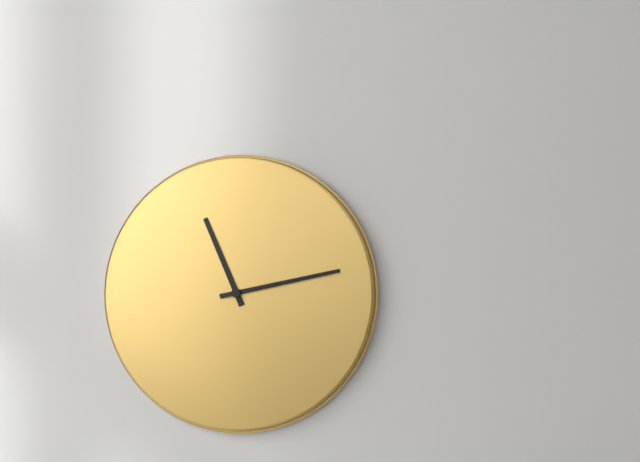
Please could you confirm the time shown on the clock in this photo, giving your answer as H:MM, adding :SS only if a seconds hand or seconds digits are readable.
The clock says 11:13
